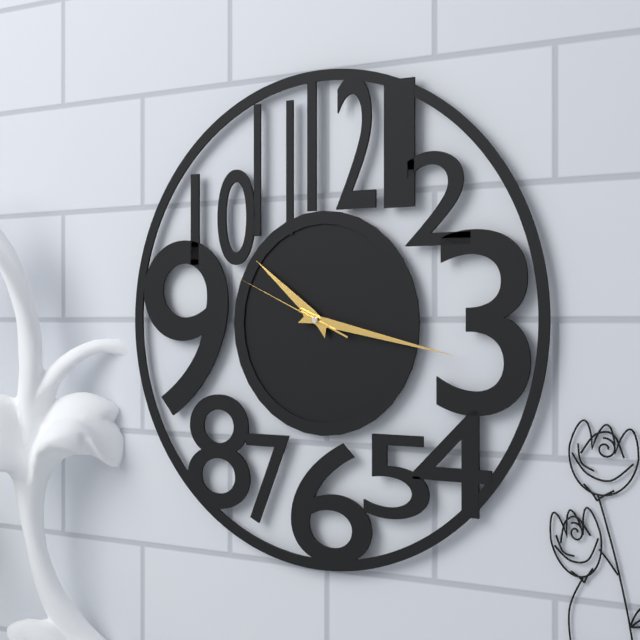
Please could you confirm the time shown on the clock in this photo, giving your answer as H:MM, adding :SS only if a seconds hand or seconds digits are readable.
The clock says 10:17:49
